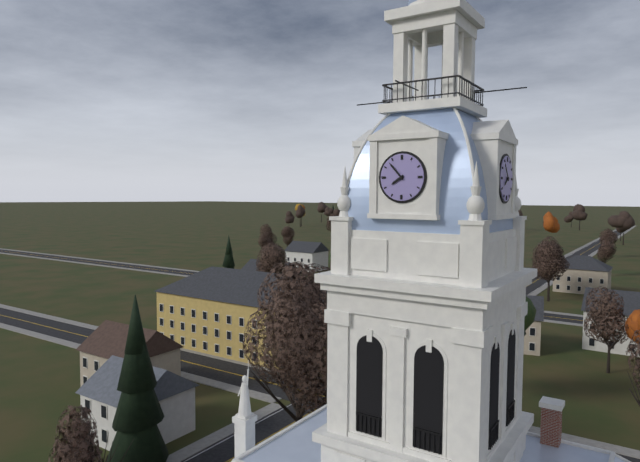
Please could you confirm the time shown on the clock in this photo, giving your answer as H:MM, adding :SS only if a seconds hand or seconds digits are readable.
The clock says 7:53
